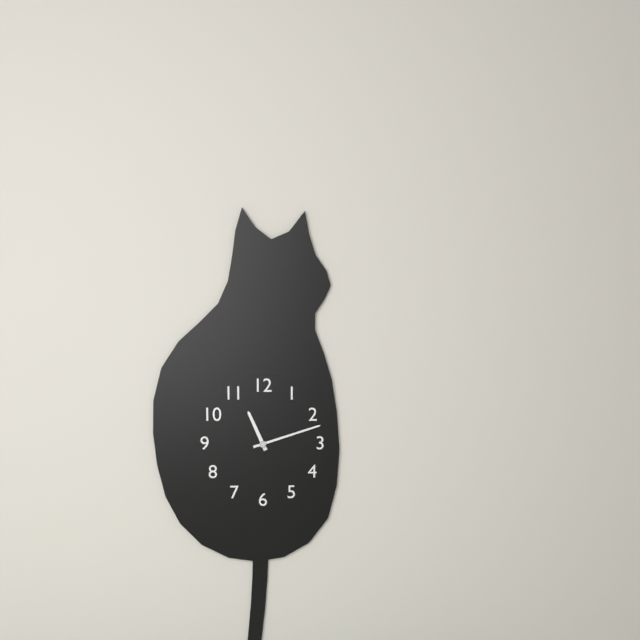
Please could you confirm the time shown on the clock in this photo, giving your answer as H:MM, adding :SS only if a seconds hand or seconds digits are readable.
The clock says 11:12
